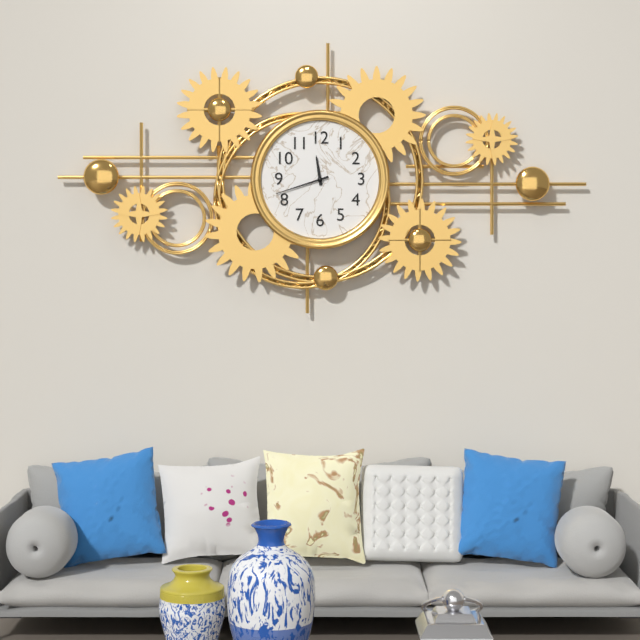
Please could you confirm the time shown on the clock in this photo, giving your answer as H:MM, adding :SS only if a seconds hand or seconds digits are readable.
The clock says 11:42
